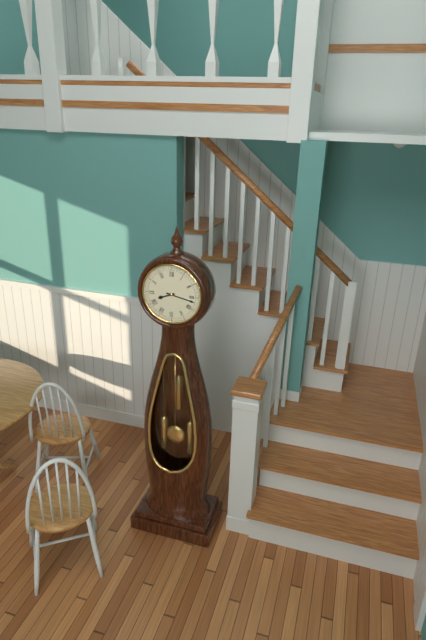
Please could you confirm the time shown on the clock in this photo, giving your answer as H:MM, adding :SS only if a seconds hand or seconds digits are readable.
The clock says 8:17
